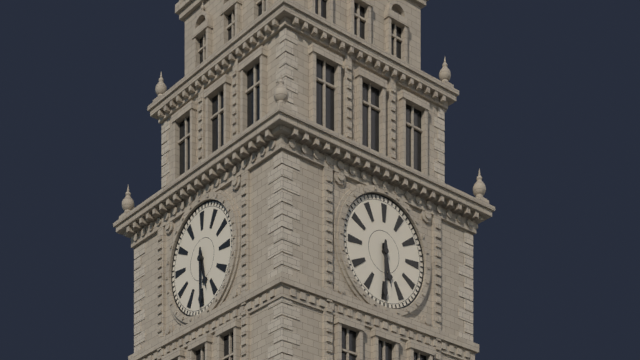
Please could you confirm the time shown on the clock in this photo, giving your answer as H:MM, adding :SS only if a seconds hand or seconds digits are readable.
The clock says 5:30
